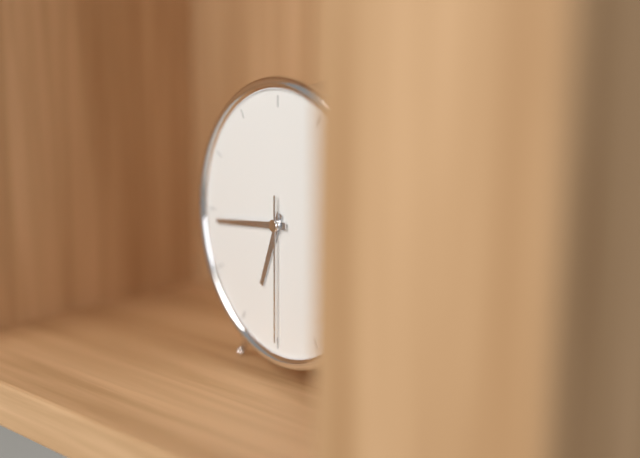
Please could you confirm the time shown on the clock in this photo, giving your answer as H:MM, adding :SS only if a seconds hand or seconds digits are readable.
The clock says 6:44:30
